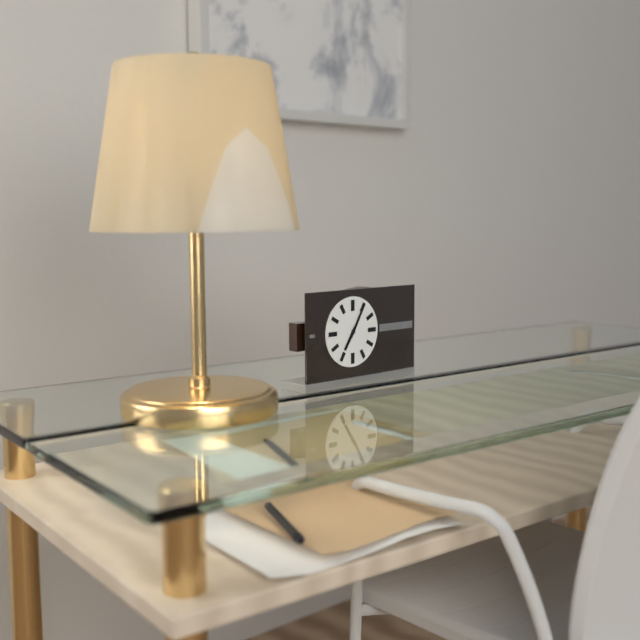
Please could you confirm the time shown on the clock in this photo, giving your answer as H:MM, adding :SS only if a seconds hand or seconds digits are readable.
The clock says 7:05
